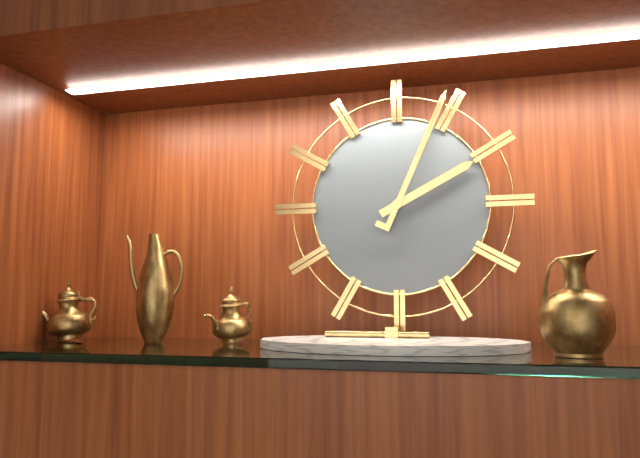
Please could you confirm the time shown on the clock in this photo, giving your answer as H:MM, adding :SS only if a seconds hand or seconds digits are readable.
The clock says 2:04
